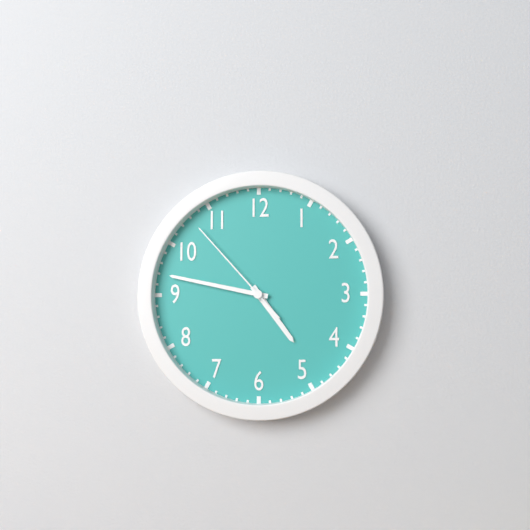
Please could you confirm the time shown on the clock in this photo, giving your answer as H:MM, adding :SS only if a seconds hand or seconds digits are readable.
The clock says 4:47:53
